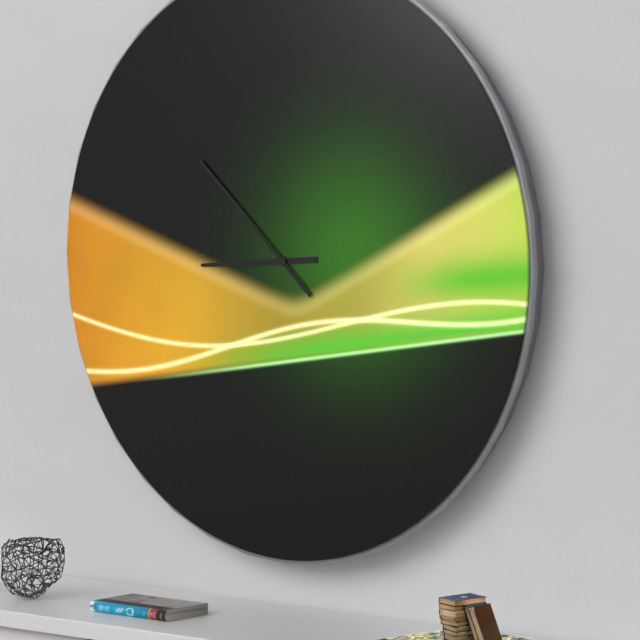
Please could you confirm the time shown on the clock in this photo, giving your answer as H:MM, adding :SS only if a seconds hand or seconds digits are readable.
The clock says 8:52
